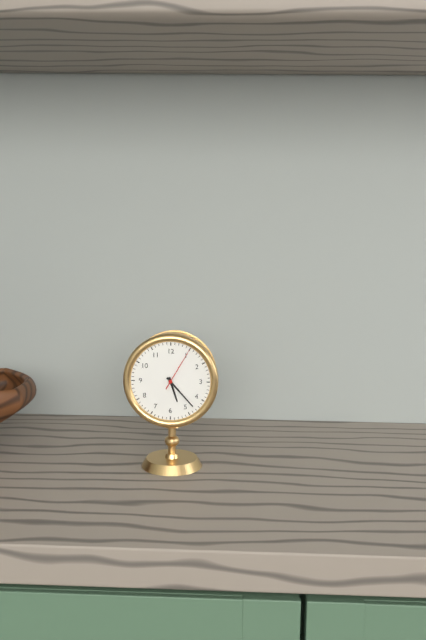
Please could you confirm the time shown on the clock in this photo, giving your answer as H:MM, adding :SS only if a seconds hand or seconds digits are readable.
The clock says 5:23
